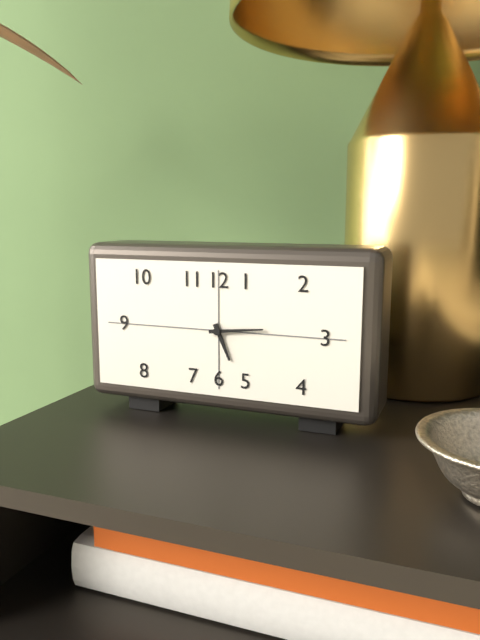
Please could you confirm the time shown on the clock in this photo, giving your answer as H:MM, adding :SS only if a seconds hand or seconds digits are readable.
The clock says 5:14
